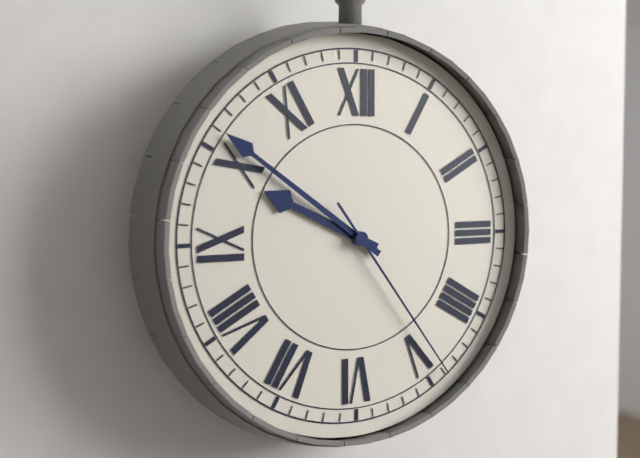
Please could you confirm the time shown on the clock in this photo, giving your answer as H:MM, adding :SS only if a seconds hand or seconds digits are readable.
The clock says 9:51:24
